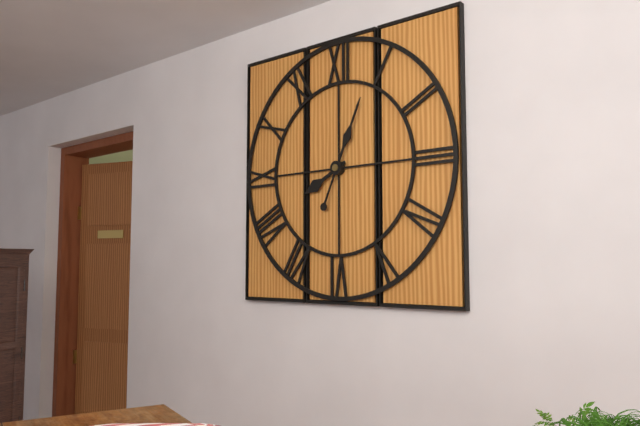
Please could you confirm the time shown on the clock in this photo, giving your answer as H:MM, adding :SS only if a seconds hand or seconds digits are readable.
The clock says 8:04
